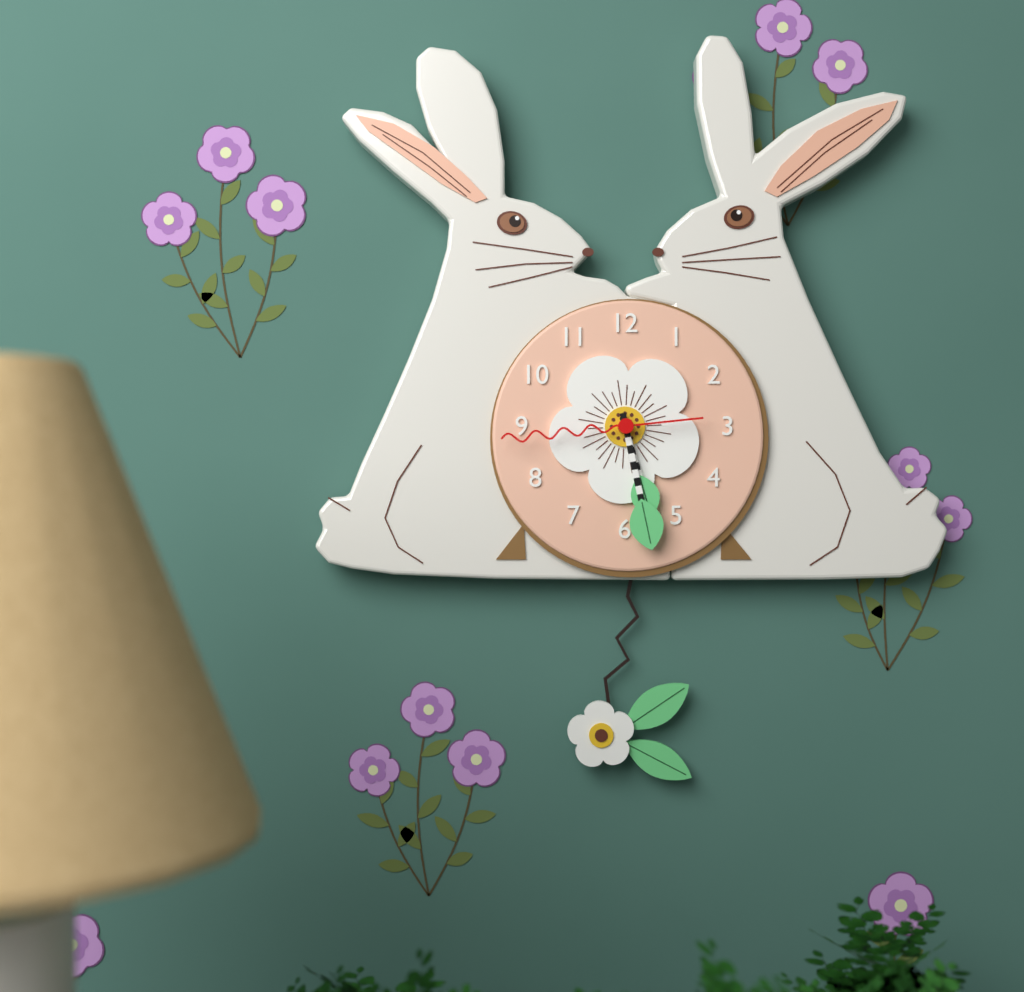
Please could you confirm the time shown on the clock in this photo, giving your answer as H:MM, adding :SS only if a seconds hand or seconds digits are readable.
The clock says 5:28:44
